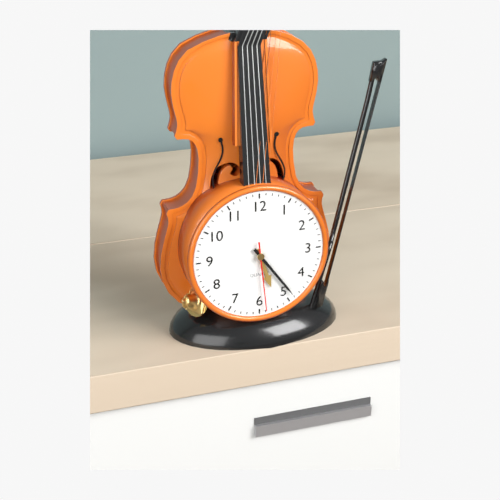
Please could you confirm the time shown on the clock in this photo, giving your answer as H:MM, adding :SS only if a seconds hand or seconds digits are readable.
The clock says 5:24:29
